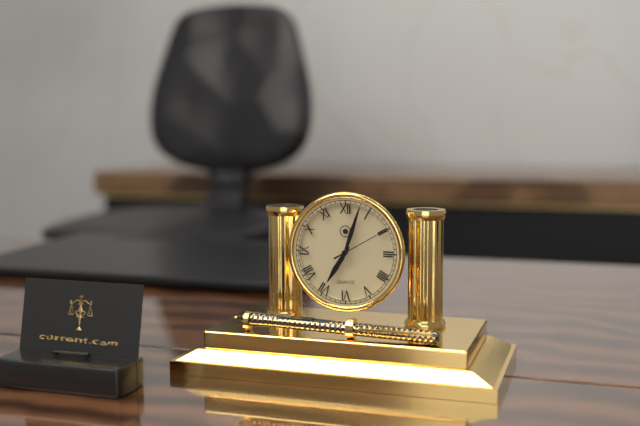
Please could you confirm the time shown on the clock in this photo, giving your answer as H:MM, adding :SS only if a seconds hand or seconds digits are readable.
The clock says 7:03:10
